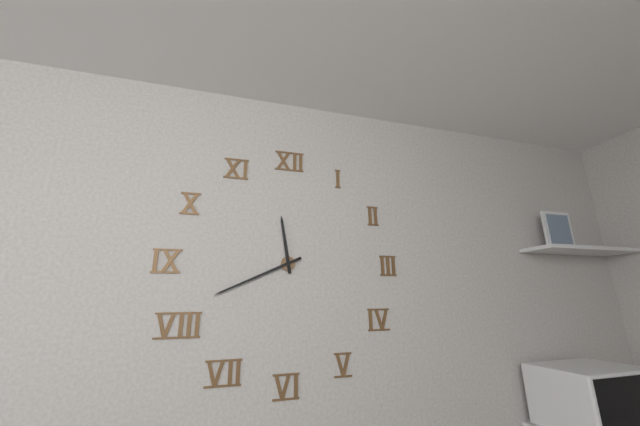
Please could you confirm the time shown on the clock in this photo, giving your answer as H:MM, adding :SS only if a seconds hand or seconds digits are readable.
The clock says 11:41
